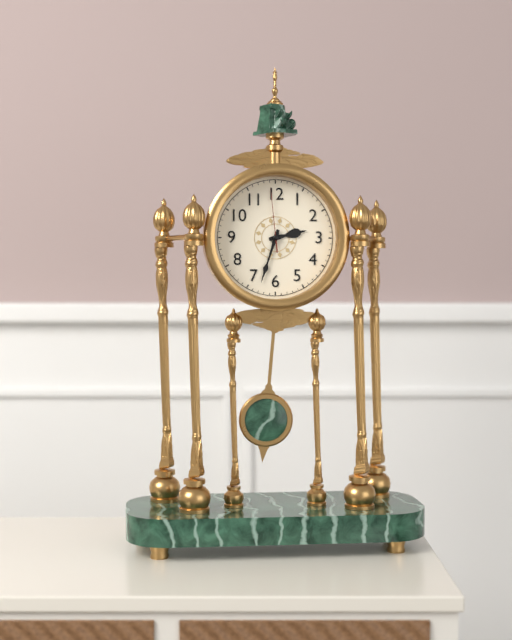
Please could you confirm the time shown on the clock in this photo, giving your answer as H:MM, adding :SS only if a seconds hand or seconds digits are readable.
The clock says 2:33:59
